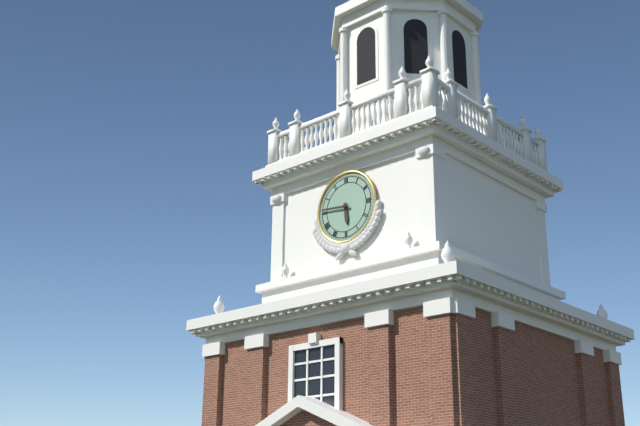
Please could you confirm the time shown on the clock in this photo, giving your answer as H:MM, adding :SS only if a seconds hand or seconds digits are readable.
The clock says 5:46
